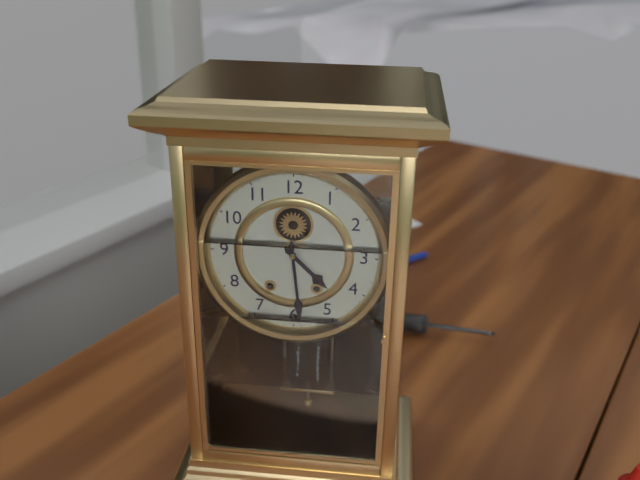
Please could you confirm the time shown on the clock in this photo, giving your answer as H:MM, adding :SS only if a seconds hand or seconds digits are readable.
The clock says 4:29
